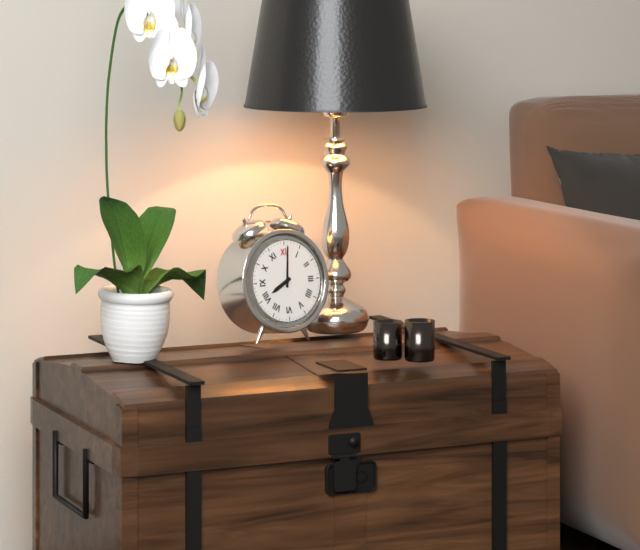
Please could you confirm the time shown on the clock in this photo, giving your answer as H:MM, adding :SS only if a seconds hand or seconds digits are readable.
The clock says 8:01
